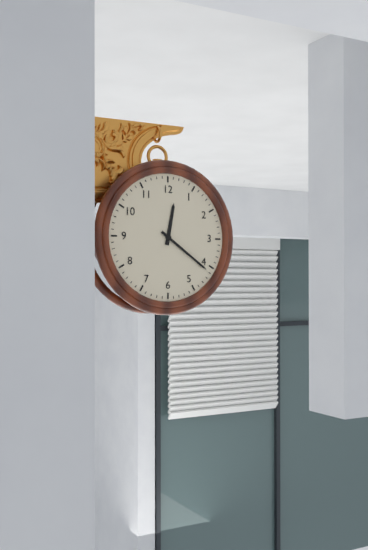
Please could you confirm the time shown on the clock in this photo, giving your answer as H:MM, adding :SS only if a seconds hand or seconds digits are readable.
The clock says 12:21
